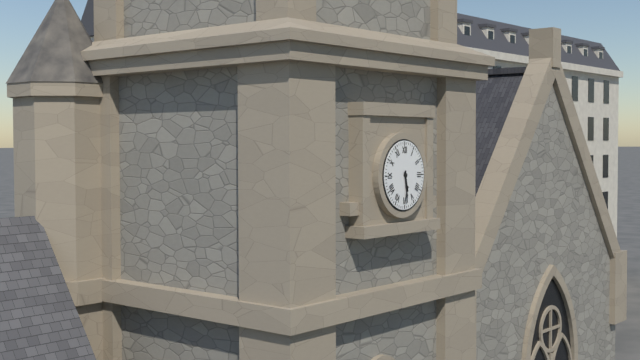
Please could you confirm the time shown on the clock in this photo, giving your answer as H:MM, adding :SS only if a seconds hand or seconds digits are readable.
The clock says 5:29
